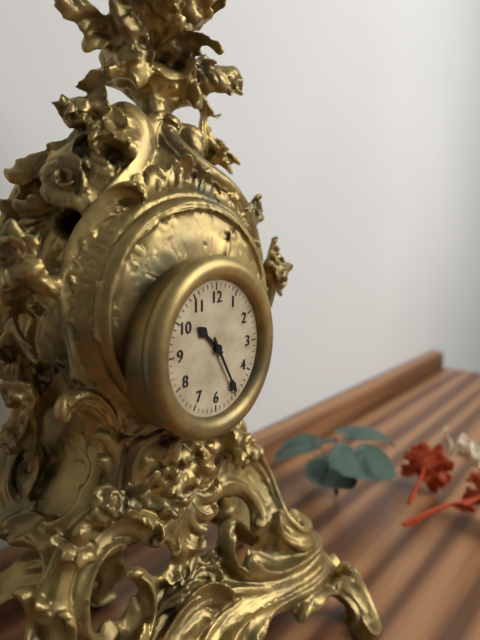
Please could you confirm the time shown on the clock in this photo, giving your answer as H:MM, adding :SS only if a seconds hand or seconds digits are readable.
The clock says 10:25
